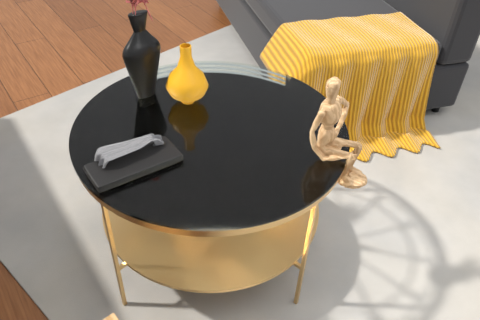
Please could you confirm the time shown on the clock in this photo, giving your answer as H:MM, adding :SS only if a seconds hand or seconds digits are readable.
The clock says 4:57
